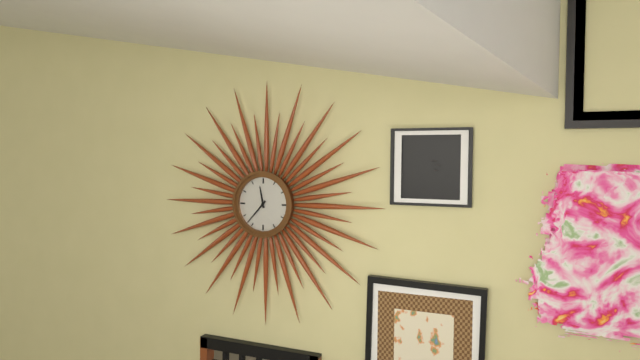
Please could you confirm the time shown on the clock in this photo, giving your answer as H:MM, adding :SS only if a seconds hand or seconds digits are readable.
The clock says 11:37
